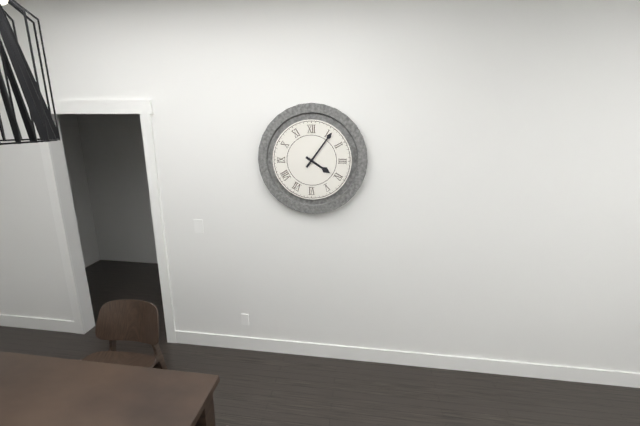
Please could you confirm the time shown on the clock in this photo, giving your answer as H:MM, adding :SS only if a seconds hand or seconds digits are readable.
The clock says 4:06
